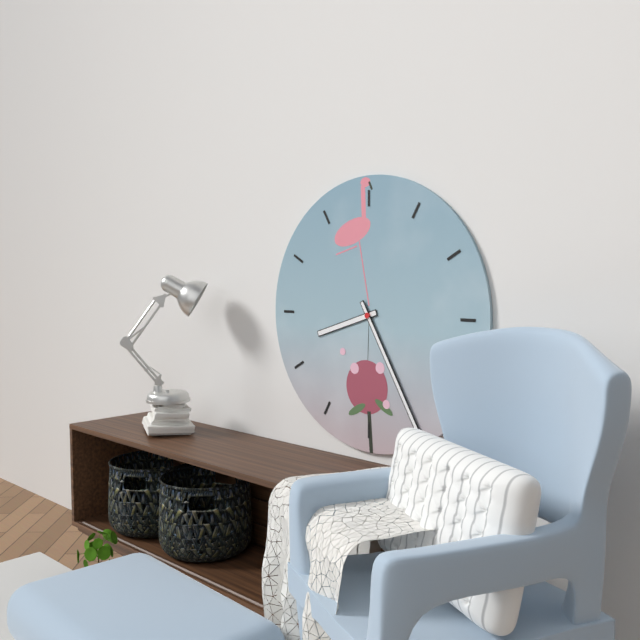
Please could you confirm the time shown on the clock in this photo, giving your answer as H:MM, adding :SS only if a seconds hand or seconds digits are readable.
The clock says 8:25
